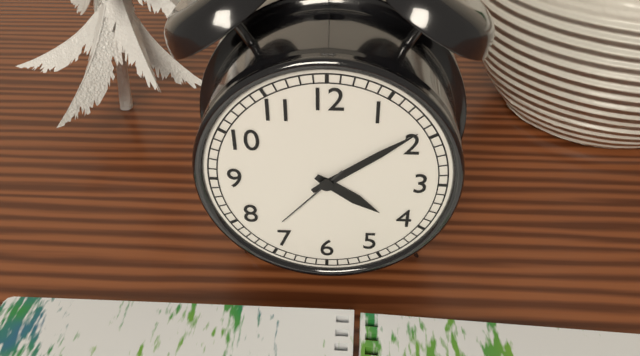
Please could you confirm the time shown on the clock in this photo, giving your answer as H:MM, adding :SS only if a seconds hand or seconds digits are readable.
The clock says 4:09:37
